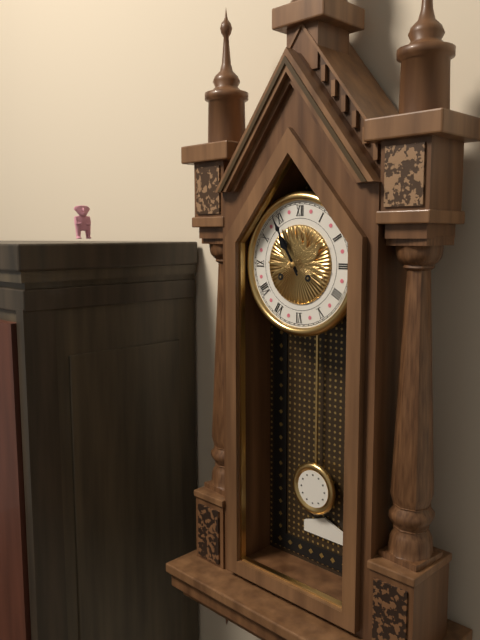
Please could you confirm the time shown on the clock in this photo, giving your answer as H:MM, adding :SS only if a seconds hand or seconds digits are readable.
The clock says 10:55
